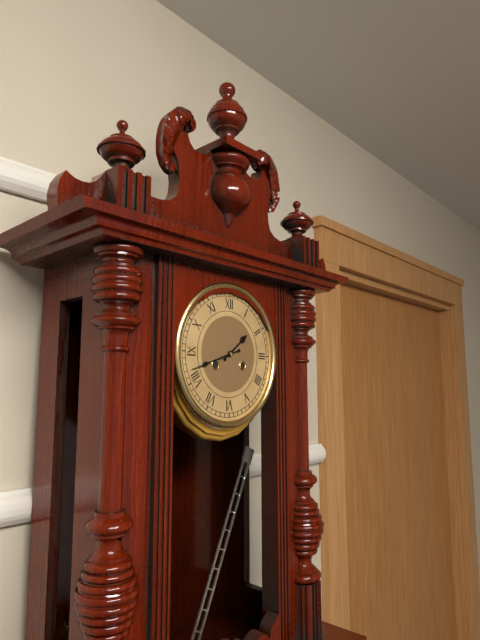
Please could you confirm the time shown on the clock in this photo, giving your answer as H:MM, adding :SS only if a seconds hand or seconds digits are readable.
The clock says 1:42
